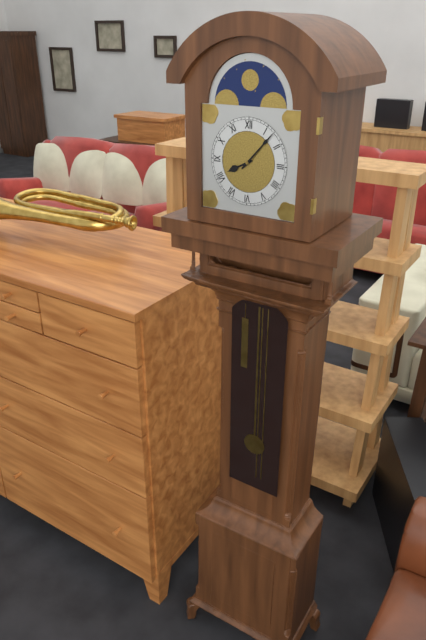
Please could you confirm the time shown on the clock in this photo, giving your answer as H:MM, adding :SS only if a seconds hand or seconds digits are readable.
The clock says 8:07
